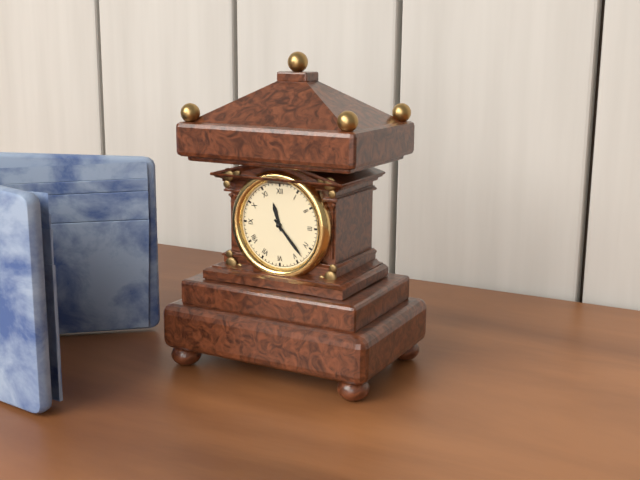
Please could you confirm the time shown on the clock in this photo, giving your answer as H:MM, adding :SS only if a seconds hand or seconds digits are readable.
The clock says 11:23
